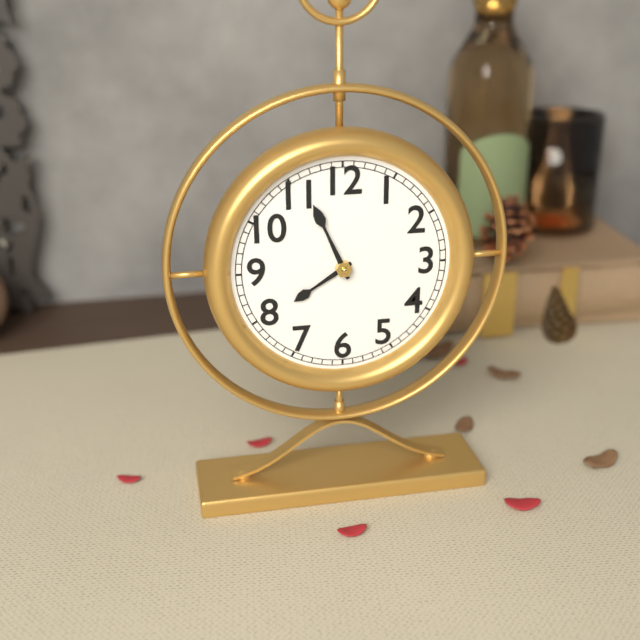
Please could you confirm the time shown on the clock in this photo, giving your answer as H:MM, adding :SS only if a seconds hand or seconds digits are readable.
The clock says 7:56
